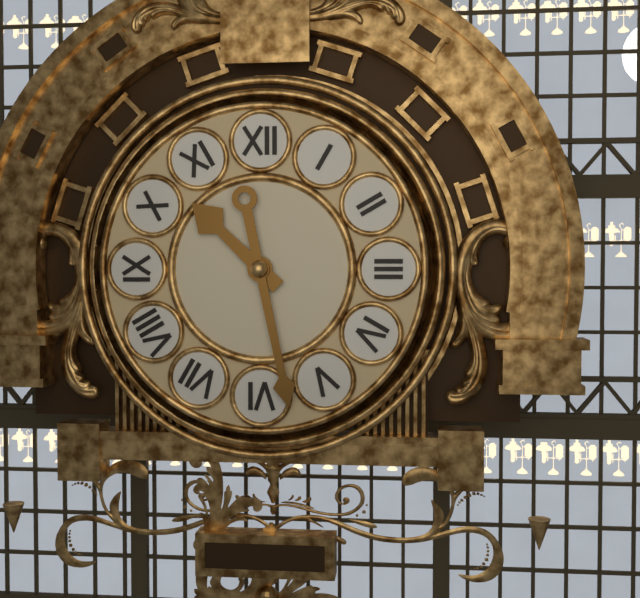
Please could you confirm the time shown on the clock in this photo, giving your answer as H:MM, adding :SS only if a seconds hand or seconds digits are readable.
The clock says 10:28
